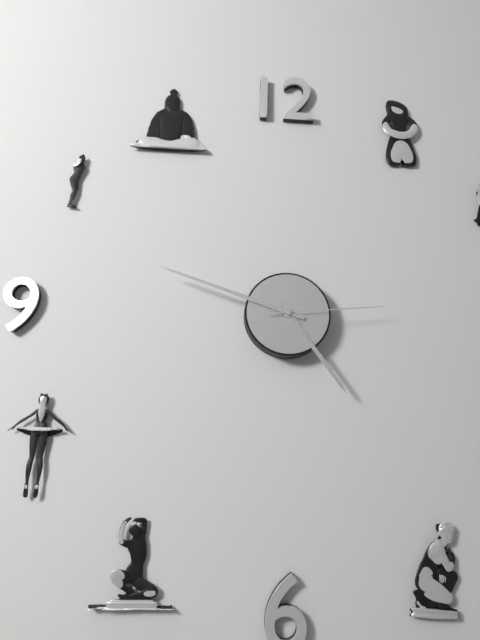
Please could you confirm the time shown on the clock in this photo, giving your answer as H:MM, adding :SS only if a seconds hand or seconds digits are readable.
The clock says 4:48:14
